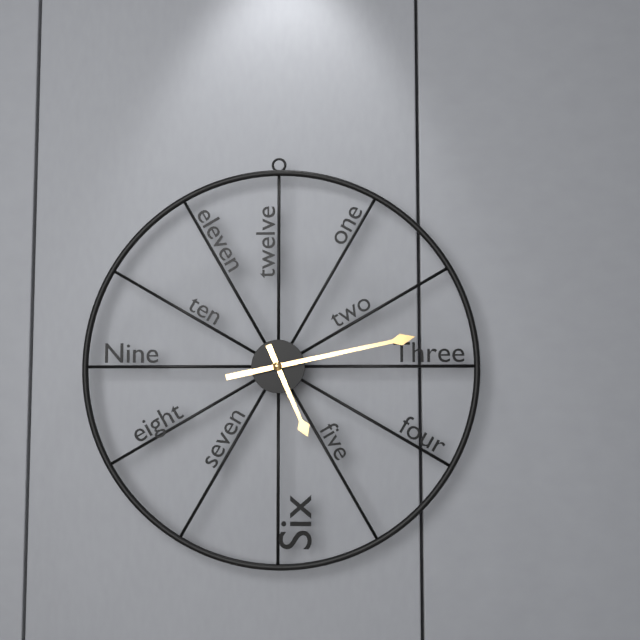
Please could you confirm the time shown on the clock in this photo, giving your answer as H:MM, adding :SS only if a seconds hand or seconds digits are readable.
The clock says 5:13
